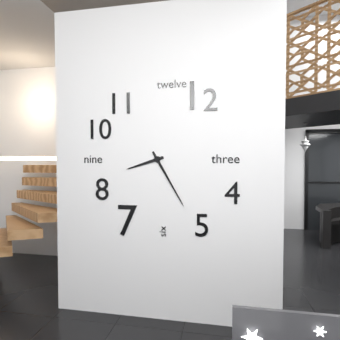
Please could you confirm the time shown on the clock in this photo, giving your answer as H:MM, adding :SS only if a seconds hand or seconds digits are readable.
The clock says 8:25
